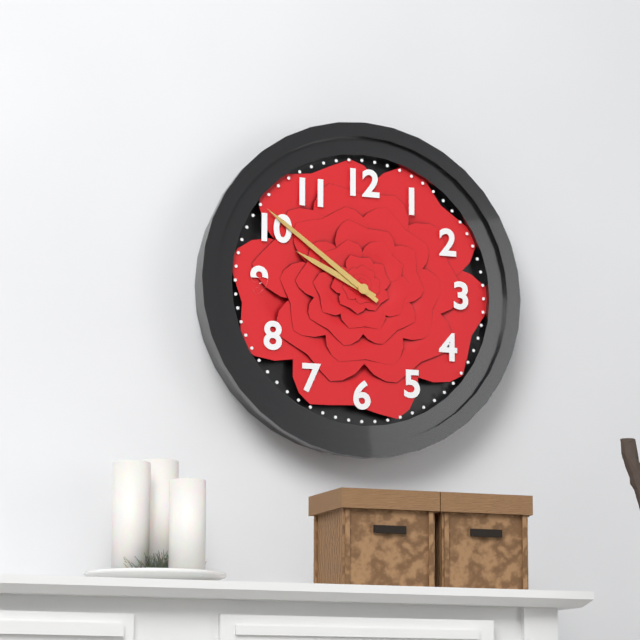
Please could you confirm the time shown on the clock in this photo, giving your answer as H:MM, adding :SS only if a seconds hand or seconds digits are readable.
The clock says 9:51
